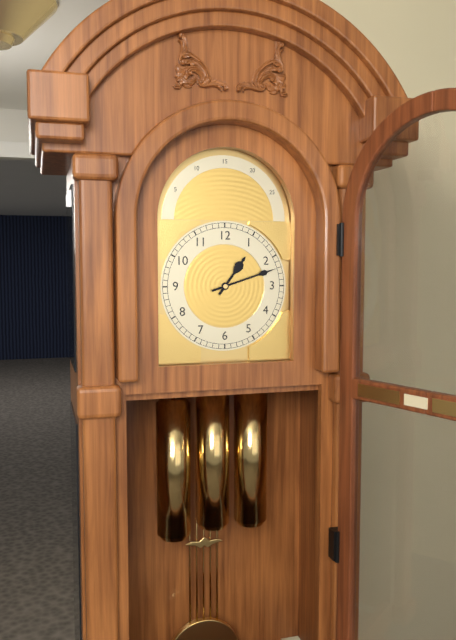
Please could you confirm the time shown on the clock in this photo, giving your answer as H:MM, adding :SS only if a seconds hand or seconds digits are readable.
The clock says 1:12
